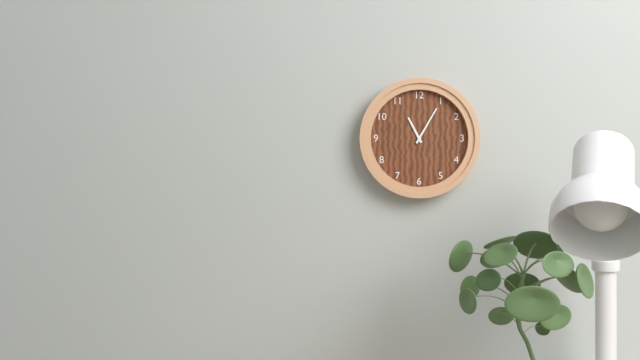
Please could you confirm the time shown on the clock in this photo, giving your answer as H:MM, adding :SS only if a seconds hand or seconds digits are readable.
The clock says 11:05
